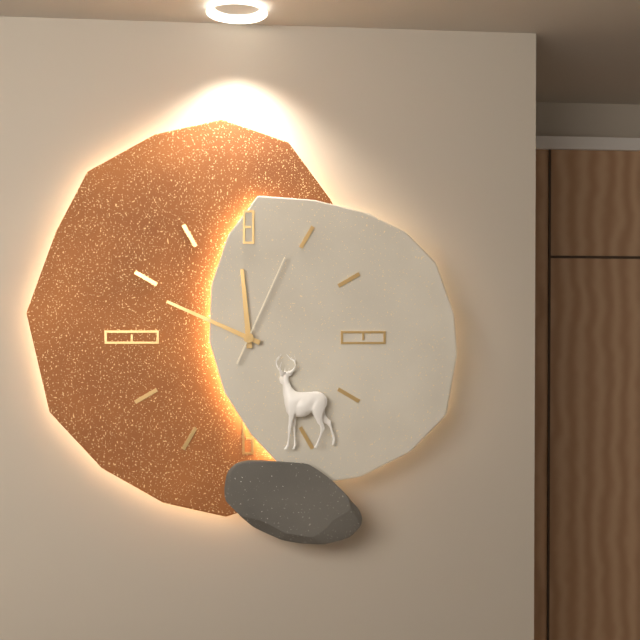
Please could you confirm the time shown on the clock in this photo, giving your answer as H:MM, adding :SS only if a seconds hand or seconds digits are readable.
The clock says 11:49:04
